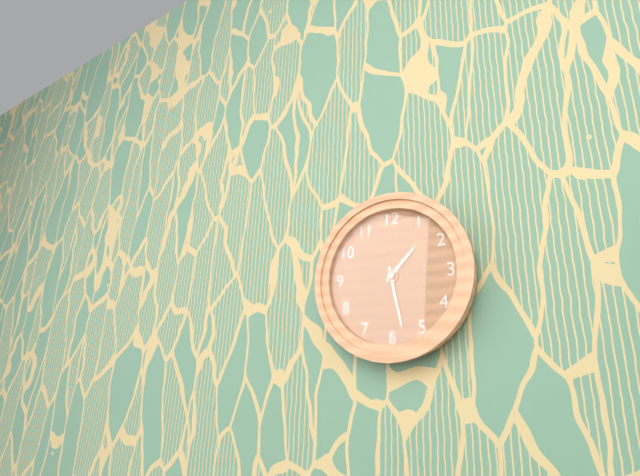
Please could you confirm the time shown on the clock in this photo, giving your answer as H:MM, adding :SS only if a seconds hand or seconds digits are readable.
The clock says 1:28
